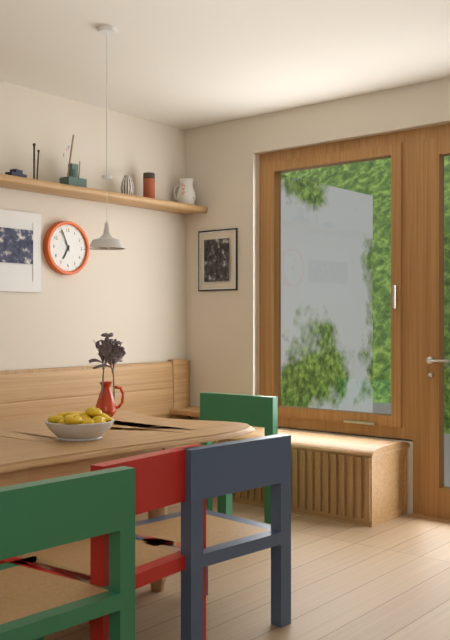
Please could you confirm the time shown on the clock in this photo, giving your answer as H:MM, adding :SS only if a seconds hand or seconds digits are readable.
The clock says 6:56
